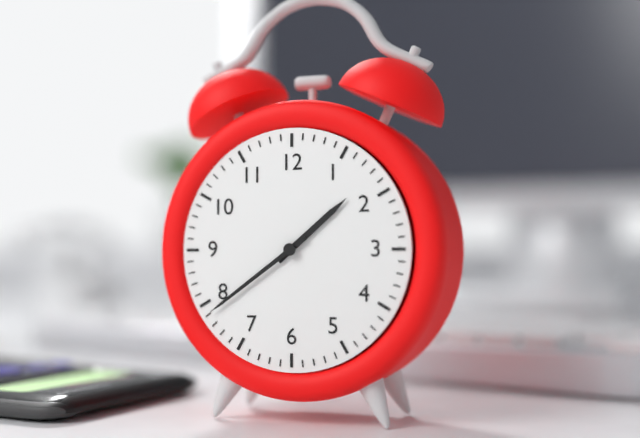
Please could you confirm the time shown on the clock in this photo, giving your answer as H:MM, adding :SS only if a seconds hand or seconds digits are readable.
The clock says 1:39
